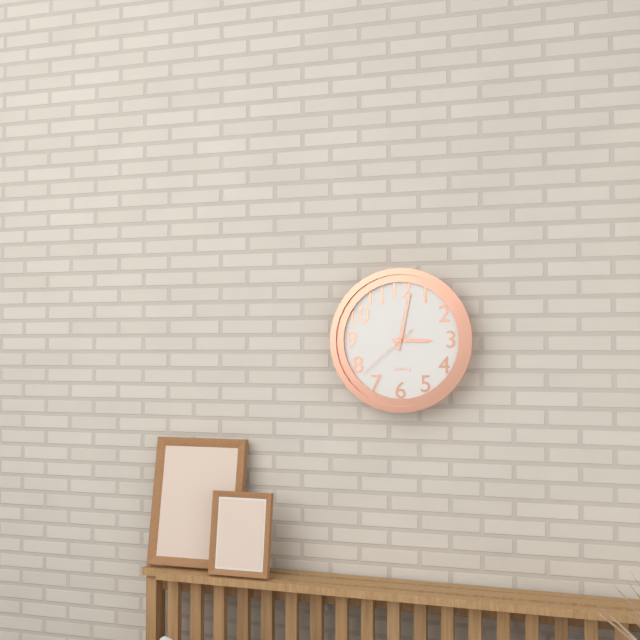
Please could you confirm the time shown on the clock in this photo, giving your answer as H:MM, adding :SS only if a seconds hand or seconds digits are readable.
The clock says 3:02:38
